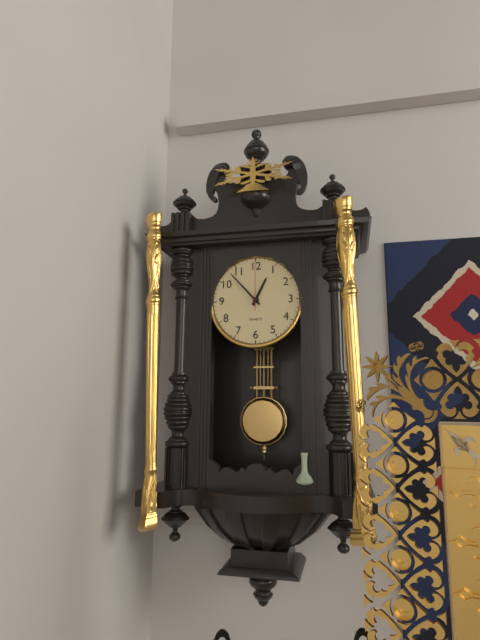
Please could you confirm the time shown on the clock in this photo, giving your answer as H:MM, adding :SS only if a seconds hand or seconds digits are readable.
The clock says 12:53:00
